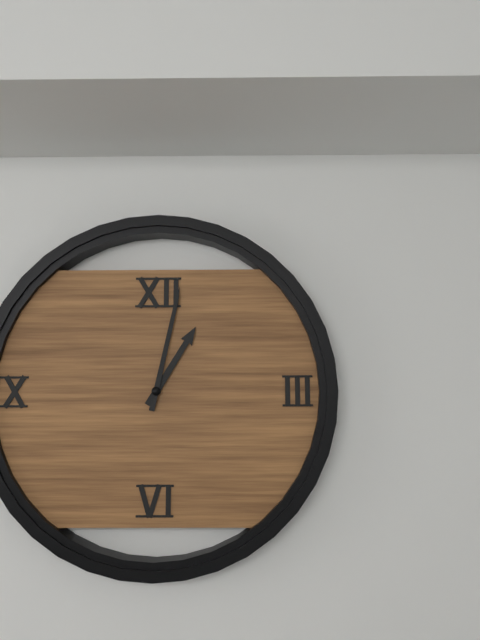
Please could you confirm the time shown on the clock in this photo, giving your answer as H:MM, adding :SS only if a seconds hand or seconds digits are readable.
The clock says 1:02
